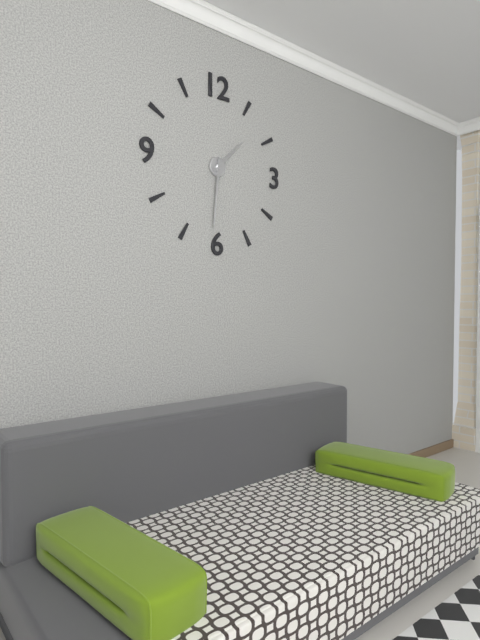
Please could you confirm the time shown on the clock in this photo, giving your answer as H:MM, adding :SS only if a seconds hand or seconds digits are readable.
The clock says 1:31
